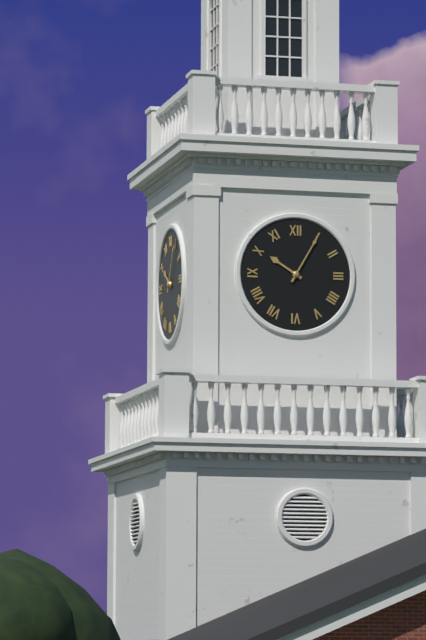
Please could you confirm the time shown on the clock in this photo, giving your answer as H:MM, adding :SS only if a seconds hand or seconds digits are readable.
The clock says 10:05
